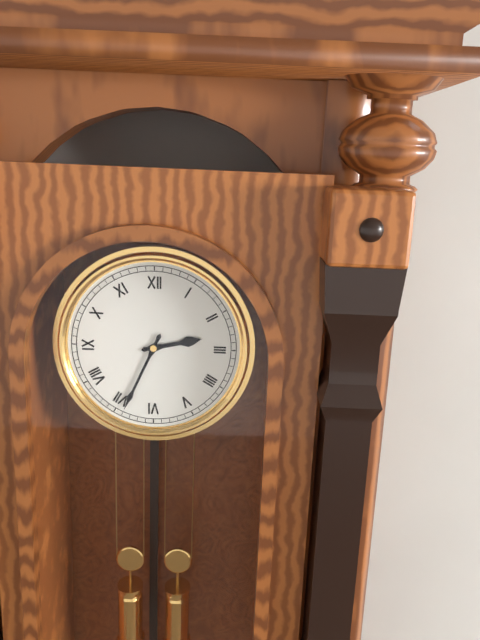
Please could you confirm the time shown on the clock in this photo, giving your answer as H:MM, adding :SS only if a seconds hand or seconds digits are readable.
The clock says 2:34
